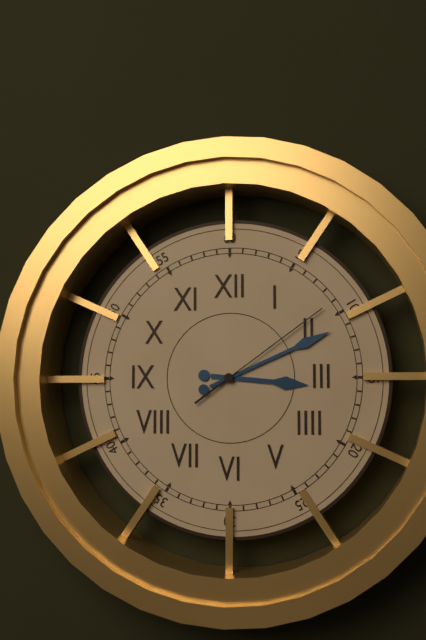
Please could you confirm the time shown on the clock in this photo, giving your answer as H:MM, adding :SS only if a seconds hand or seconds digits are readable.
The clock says 3:11:09
